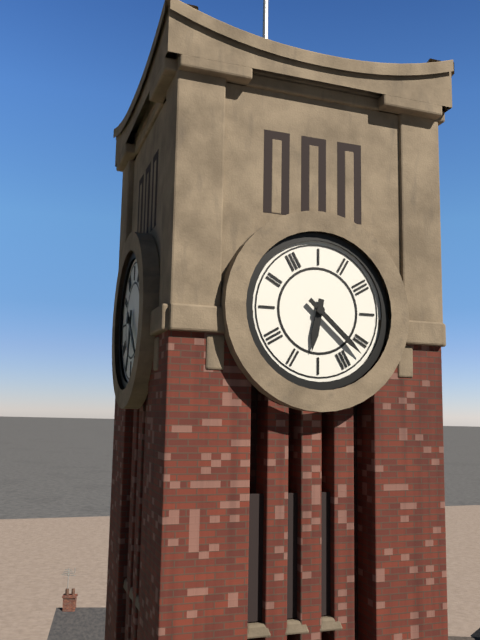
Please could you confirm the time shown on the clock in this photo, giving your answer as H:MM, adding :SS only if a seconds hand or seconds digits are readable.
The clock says 6:22
